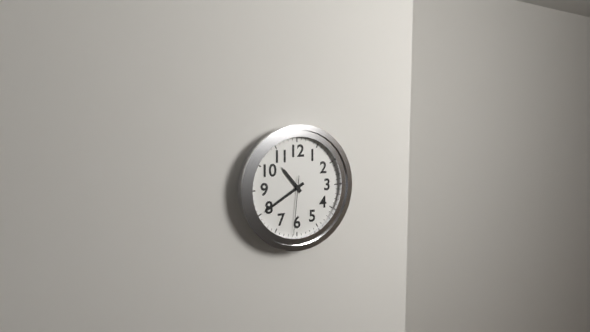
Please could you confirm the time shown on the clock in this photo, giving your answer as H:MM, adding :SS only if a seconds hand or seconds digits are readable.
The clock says 10:40:31
